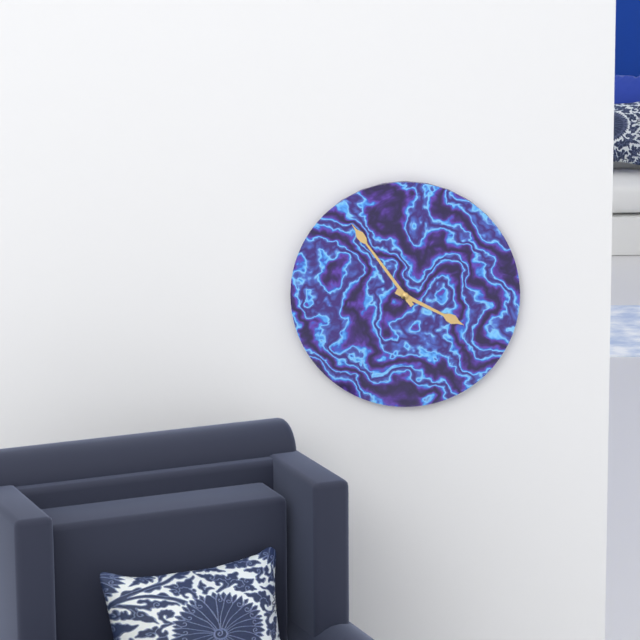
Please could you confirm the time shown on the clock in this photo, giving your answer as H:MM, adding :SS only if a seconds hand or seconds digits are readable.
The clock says 3:54
